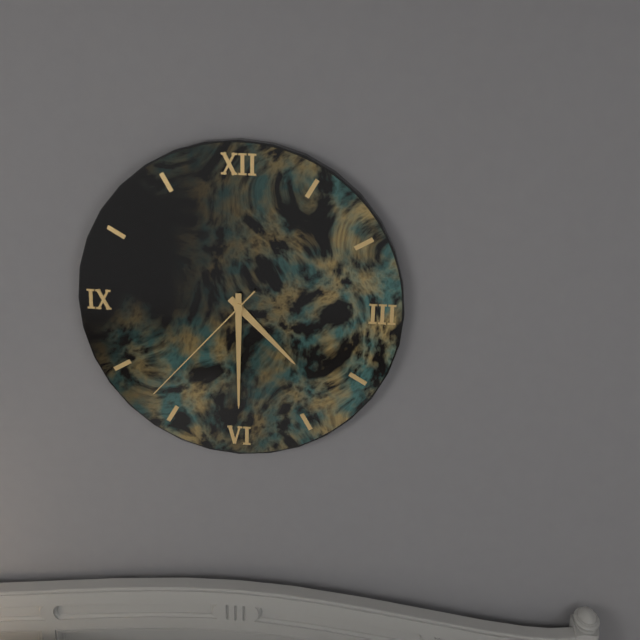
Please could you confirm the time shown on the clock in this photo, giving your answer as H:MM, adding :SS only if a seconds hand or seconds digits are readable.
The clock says 4:30:37
